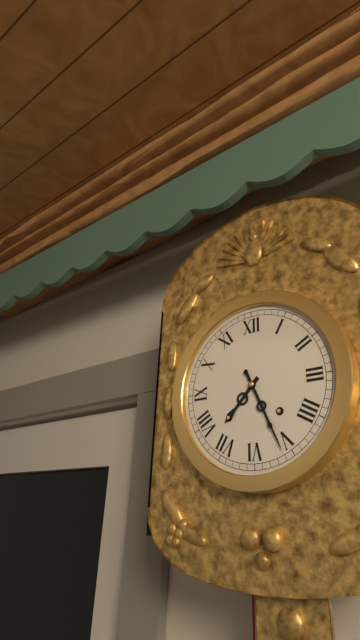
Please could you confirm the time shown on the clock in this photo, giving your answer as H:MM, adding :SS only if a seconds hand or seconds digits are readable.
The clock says 7:26
